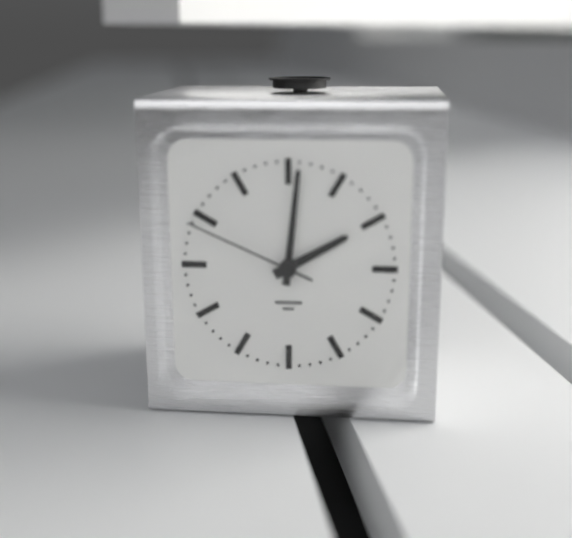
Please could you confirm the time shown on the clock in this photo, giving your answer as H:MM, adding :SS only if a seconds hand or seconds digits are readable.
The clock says 2:01:49
